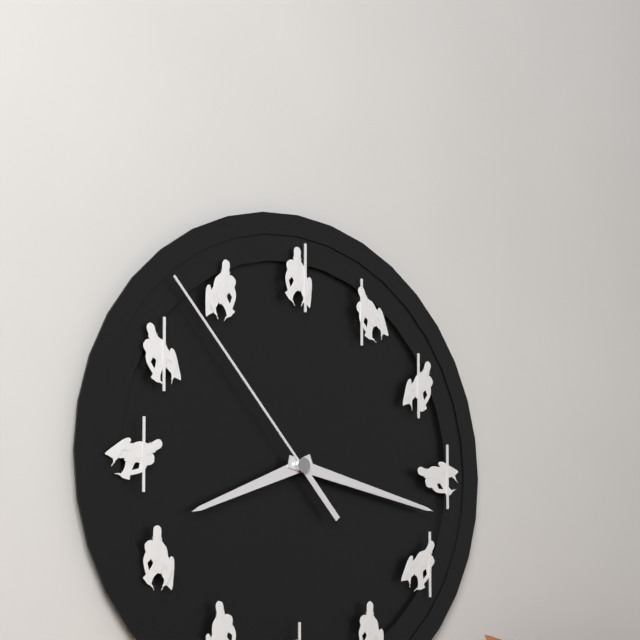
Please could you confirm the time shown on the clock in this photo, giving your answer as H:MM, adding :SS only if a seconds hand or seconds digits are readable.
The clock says 8:17:53
